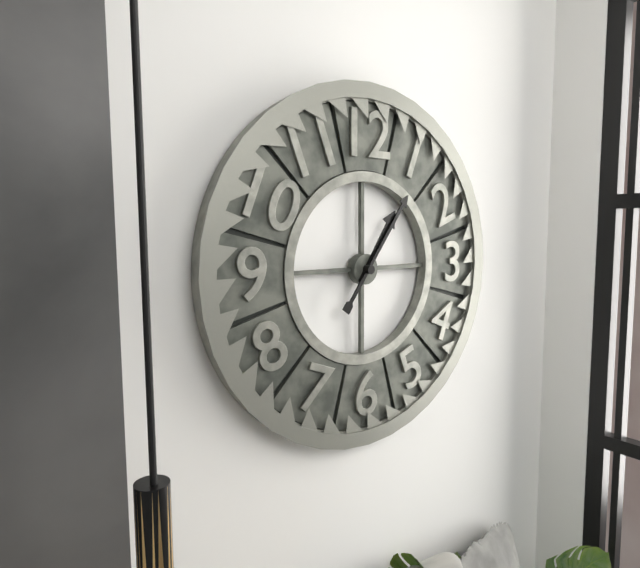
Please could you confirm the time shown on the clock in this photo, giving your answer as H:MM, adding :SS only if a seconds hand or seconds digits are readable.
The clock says 1:06
